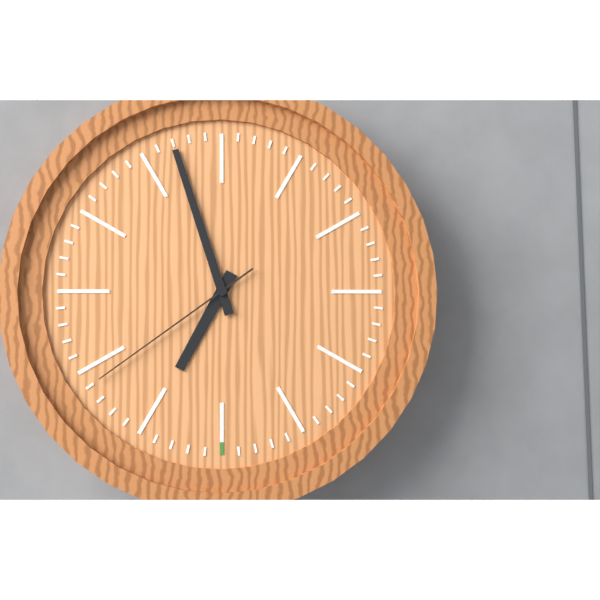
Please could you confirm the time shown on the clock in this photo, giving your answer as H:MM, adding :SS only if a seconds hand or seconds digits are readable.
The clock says 6:57:39
